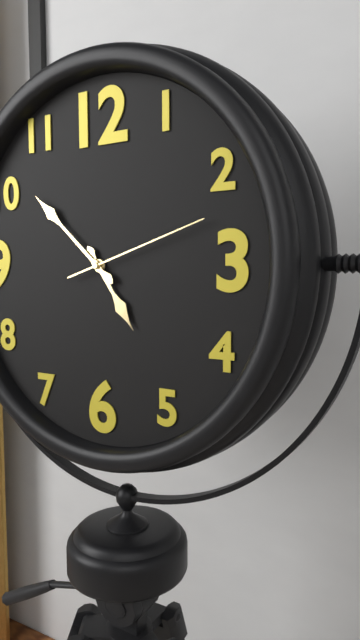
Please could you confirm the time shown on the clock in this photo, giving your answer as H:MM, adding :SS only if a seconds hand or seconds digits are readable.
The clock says 4:52:12
